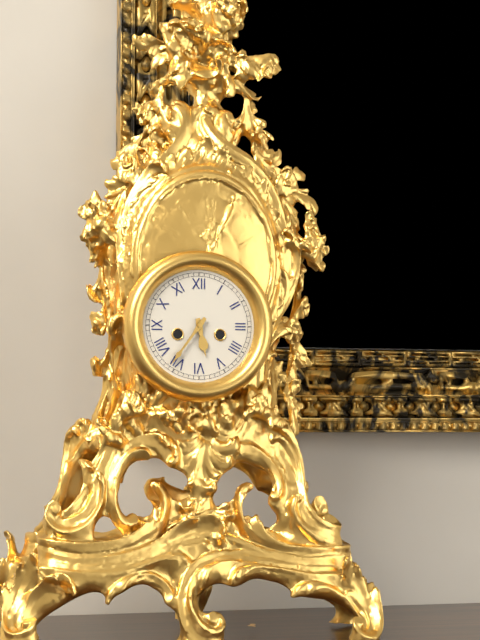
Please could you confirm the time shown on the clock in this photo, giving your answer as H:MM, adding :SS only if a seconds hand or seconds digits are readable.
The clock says 5:36
